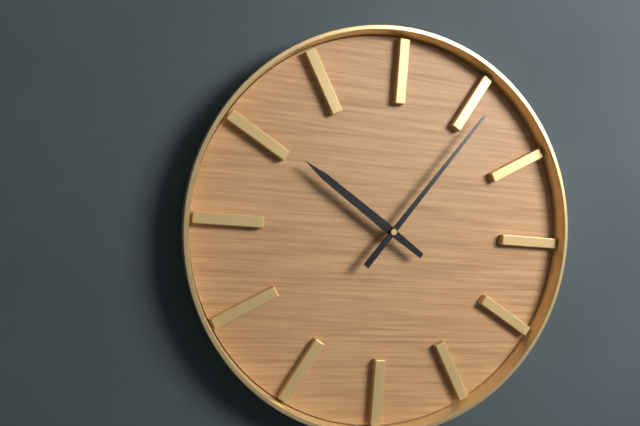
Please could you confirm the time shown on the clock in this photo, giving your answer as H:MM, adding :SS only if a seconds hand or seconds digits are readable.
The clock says 10:06
